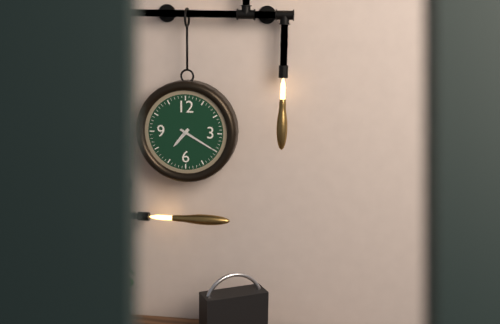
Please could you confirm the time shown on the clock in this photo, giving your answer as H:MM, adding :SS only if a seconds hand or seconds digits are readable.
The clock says 7:20
